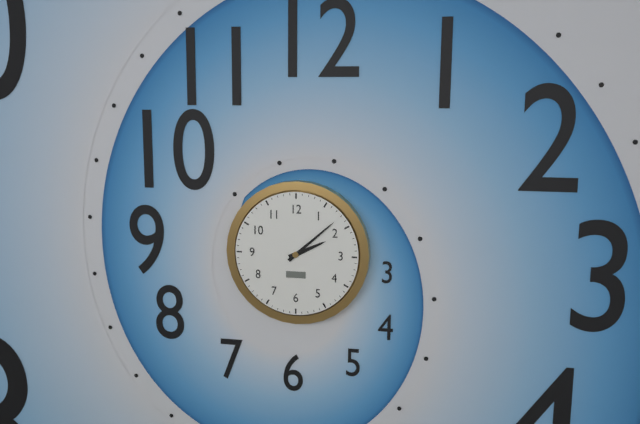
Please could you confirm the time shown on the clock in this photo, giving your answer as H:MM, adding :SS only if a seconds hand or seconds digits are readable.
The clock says 2:08
